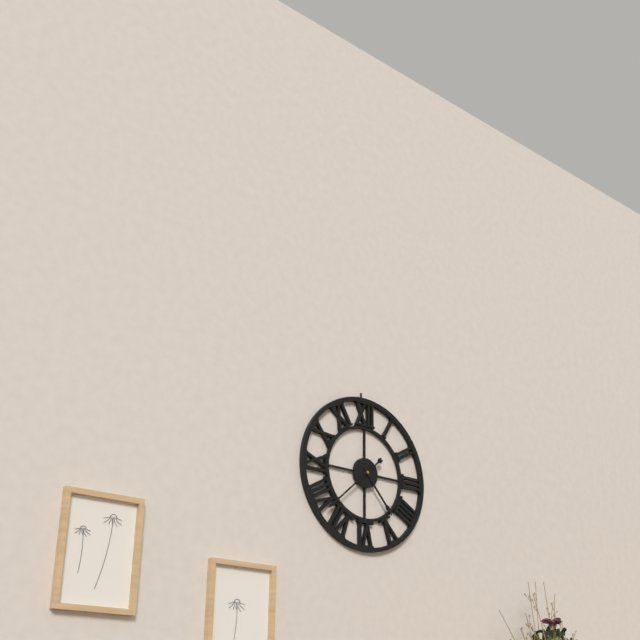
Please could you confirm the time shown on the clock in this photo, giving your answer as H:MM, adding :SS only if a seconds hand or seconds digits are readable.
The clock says 4:38
